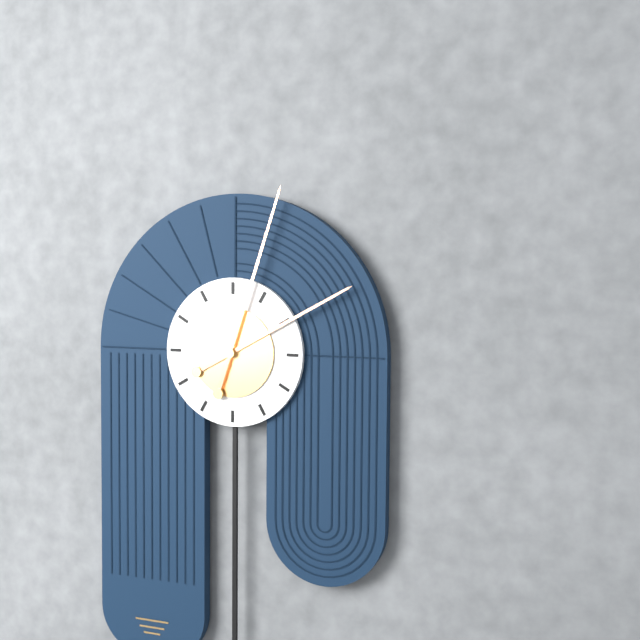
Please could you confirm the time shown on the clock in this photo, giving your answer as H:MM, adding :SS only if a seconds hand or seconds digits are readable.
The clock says 2:03
